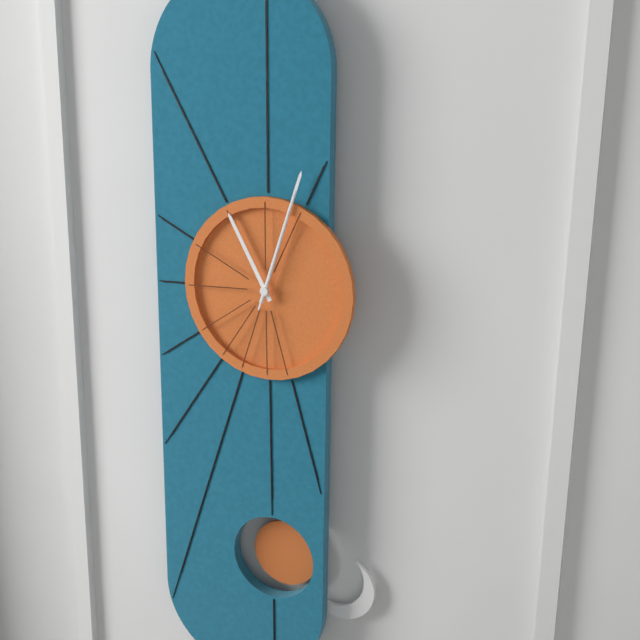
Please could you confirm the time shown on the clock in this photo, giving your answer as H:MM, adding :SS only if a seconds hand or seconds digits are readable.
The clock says 11:03:03
